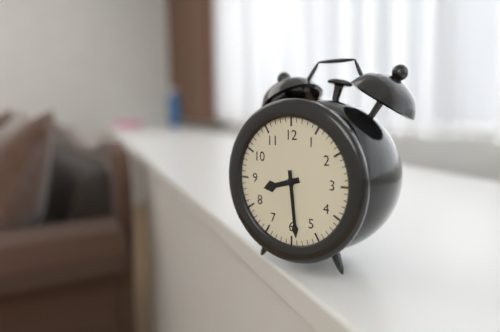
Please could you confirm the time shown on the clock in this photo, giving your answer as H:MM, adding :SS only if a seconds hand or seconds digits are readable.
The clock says 8:29
